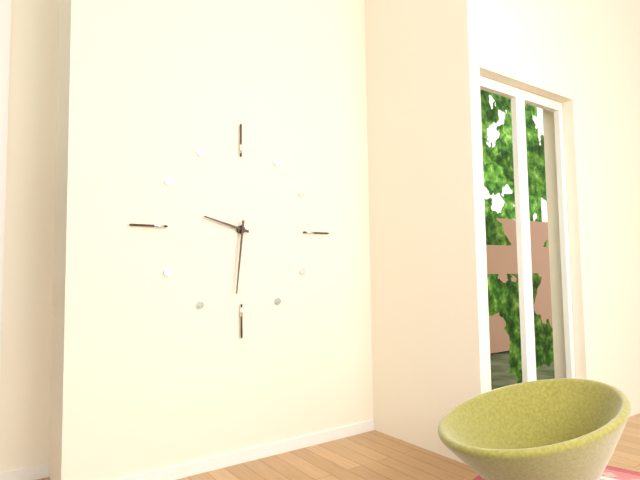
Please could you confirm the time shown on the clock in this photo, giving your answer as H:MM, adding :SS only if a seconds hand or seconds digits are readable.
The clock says 9:31
